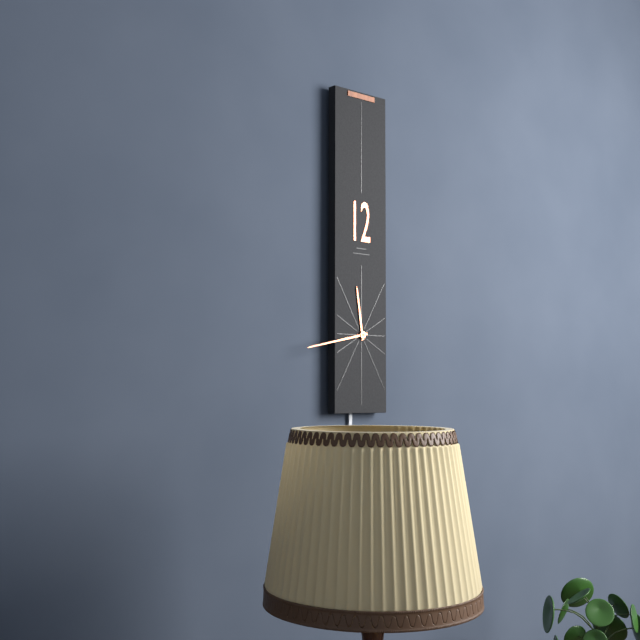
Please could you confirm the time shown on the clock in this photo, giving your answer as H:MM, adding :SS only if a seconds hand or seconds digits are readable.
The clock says 11:43
